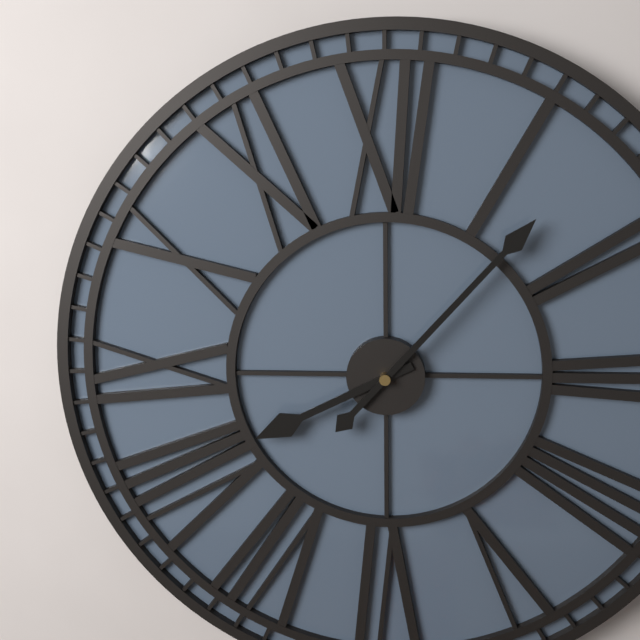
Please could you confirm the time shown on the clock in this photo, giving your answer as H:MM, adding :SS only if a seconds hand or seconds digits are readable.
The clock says 8:07
